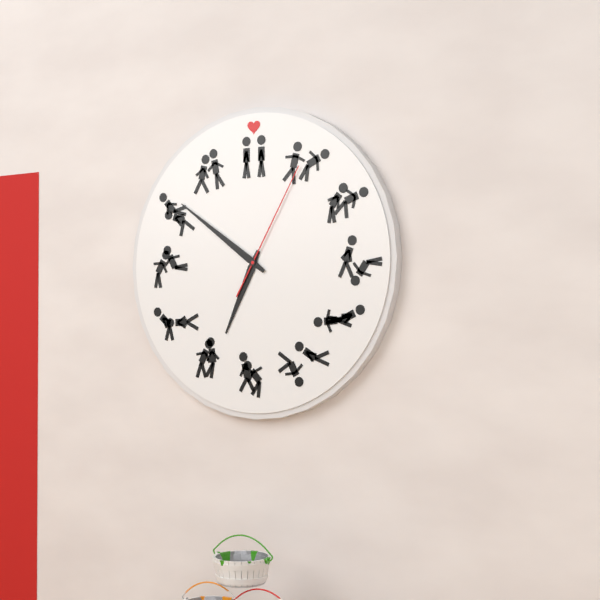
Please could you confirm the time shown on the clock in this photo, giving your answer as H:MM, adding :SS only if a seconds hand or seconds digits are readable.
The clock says 6:51:05
